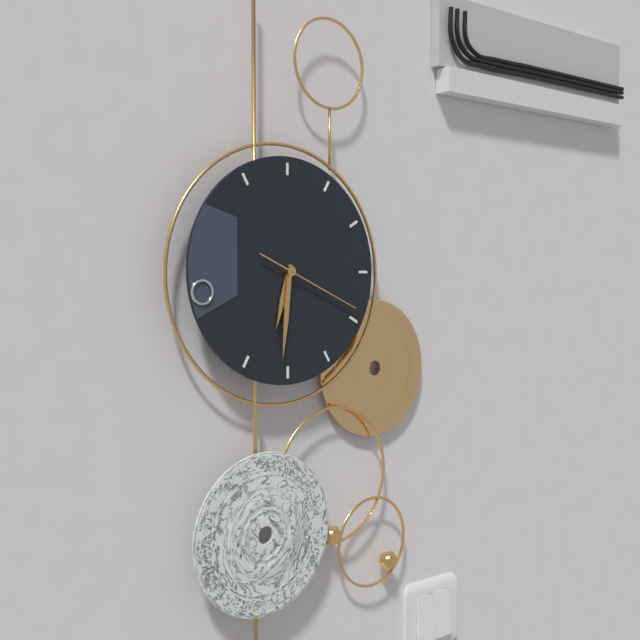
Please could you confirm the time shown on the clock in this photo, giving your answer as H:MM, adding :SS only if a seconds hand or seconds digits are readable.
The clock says 6:31:19
